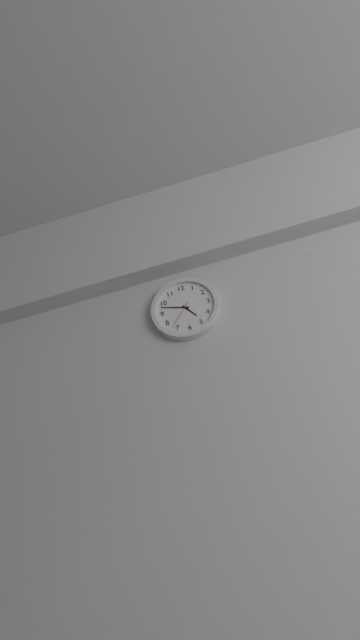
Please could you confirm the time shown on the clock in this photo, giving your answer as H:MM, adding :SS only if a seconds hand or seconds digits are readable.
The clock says 4:48
